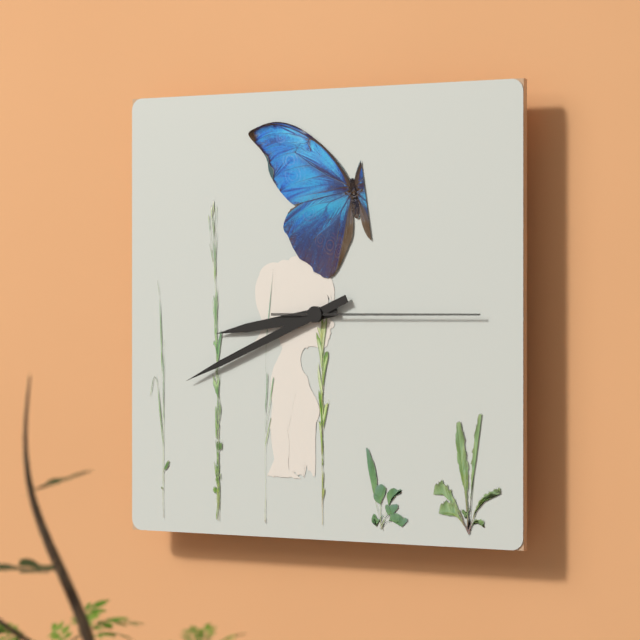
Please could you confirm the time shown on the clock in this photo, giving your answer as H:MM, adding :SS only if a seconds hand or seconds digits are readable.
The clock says 8:41:15
